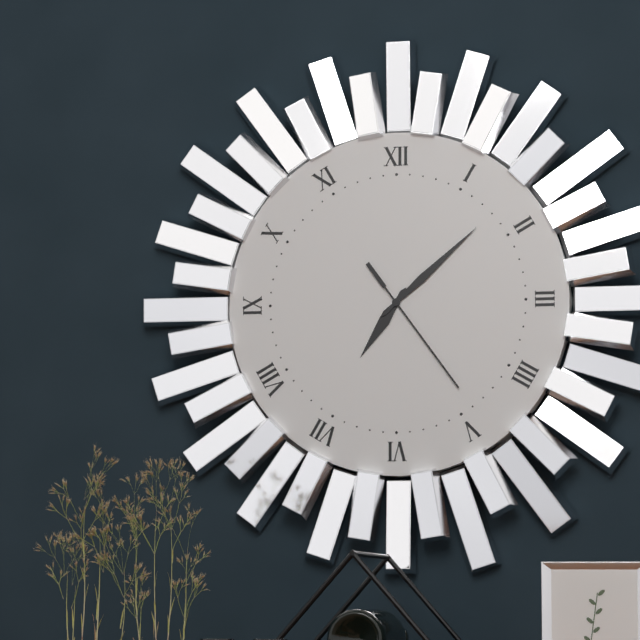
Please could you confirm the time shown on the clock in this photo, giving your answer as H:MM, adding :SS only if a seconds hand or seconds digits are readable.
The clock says 7:08:24
